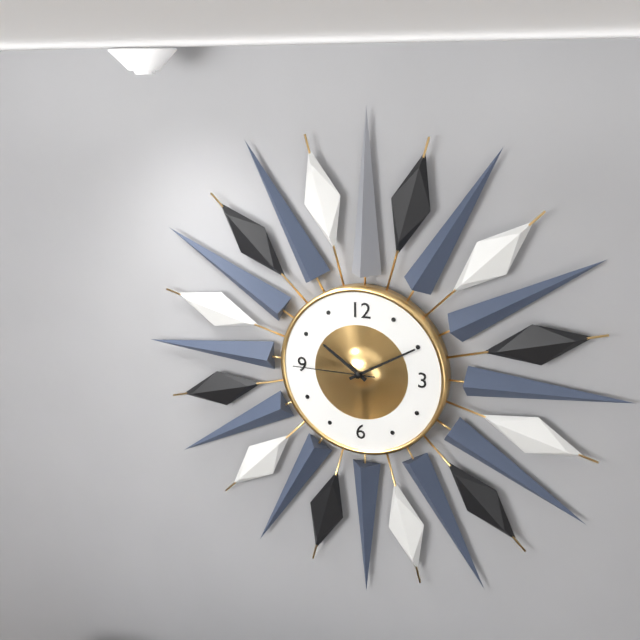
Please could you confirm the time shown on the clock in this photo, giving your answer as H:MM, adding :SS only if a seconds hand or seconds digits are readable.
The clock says 10:10:45
